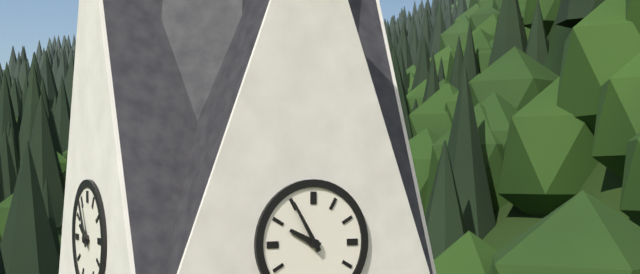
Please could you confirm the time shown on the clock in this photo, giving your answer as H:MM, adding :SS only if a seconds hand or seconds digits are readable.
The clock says 9:55
